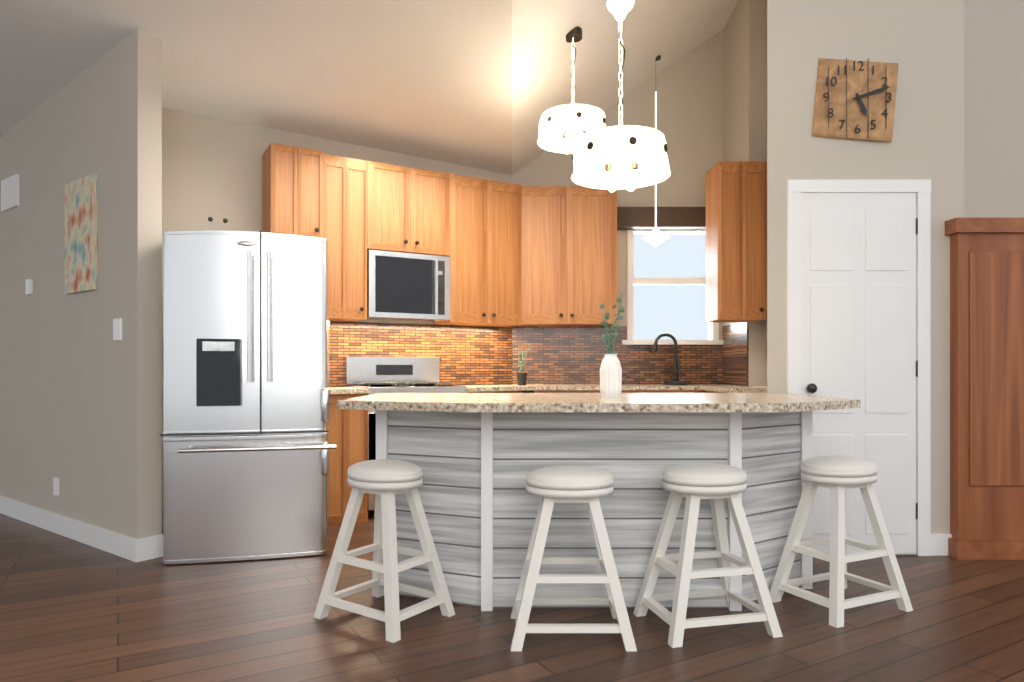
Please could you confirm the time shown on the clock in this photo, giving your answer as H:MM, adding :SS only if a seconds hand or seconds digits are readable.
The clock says 5:12
